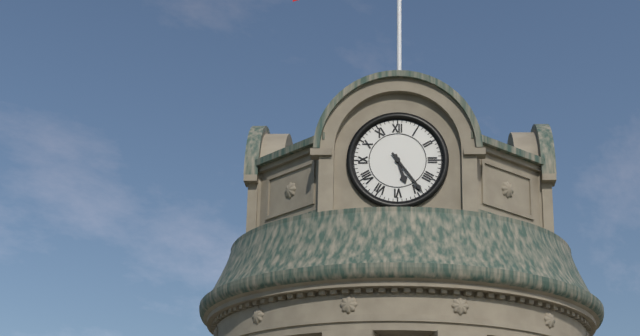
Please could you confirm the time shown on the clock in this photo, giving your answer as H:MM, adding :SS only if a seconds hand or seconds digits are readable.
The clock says 5:24
